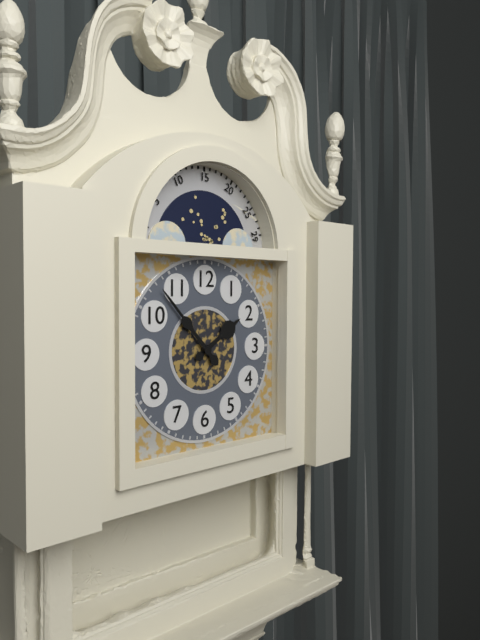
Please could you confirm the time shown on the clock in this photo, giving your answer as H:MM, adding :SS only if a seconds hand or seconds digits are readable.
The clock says 1:53
